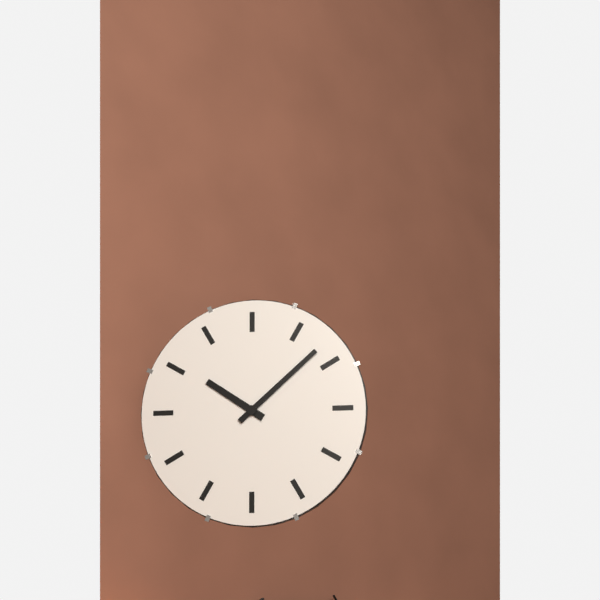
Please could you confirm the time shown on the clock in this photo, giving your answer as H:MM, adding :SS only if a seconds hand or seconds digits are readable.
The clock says 10:08
